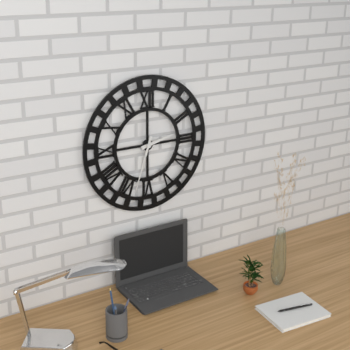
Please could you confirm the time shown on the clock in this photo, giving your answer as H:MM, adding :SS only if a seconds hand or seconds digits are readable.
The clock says 2:33
